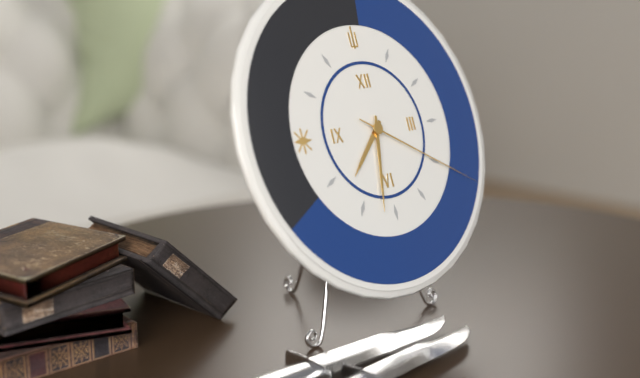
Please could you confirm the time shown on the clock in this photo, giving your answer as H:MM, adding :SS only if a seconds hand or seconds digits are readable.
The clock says 7:32:20
